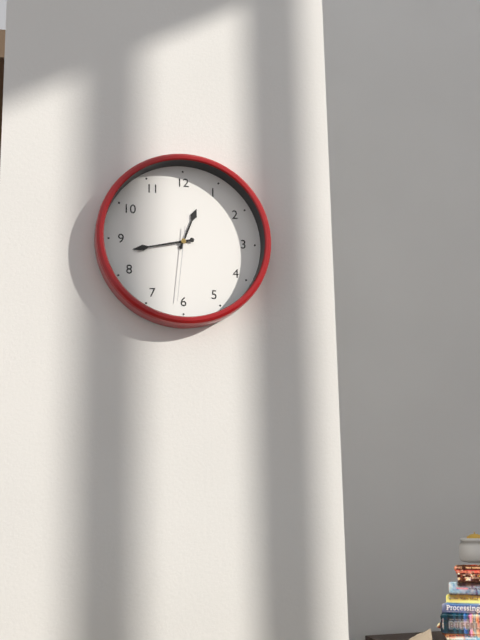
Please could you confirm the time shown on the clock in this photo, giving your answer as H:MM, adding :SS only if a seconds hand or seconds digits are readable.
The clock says 12:43:31
